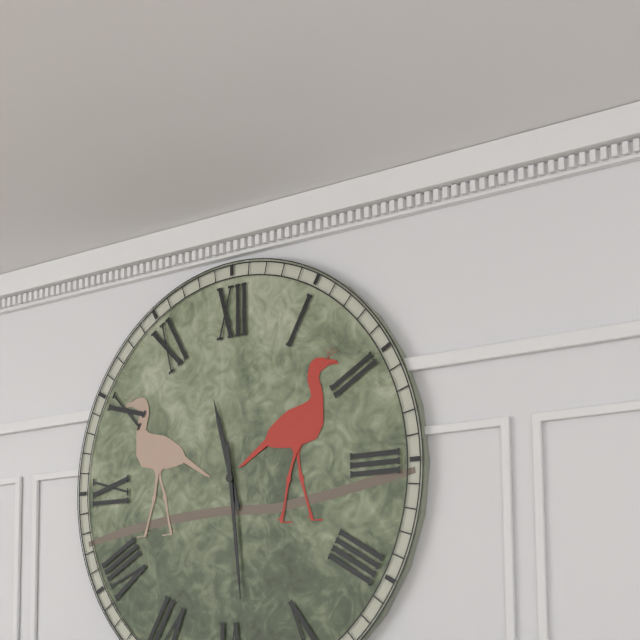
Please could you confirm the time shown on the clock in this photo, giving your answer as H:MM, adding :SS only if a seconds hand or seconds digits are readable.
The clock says 11:29
